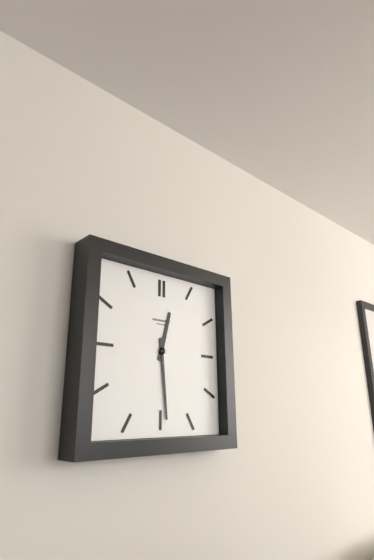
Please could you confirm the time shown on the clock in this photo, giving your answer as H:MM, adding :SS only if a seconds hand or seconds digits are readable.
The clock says 12:29
